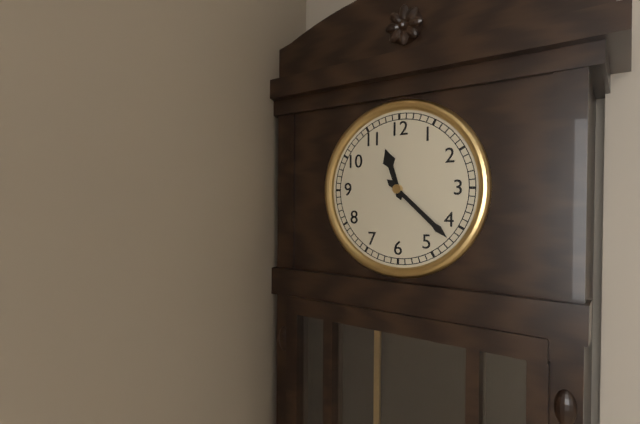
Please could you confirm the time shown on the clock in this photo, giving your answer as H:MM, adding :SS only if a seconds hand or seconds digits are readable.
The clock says 11:22
